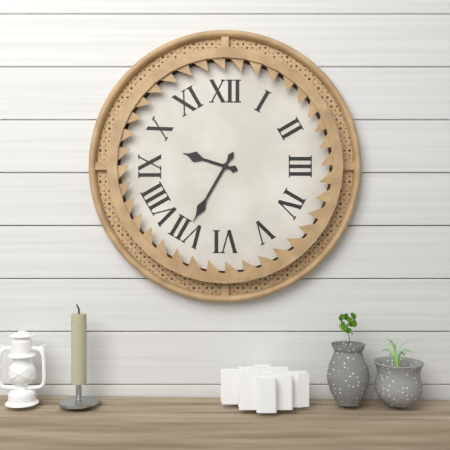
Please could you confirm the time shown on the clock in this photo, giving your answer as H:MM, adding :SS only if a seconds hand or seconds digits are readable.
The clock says 9:35
